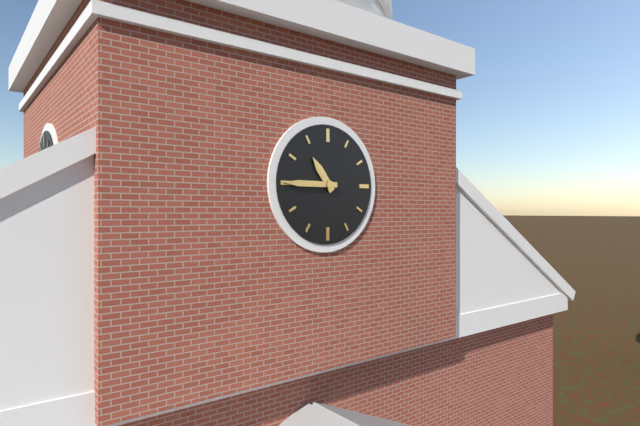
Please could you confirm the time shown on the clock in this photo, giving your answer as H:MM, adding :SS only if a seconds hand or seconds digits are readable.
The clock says 10:45
